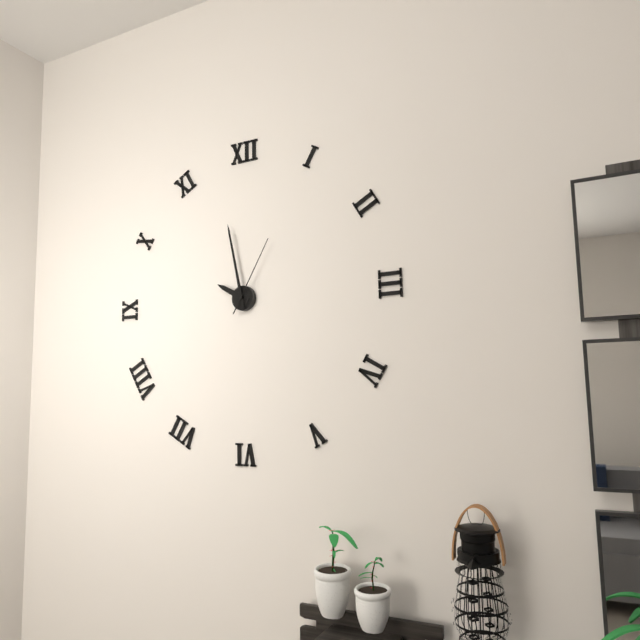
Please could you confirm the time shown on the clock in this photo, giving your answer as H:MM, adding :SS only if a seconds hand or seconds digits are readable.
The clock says 9:58:05
